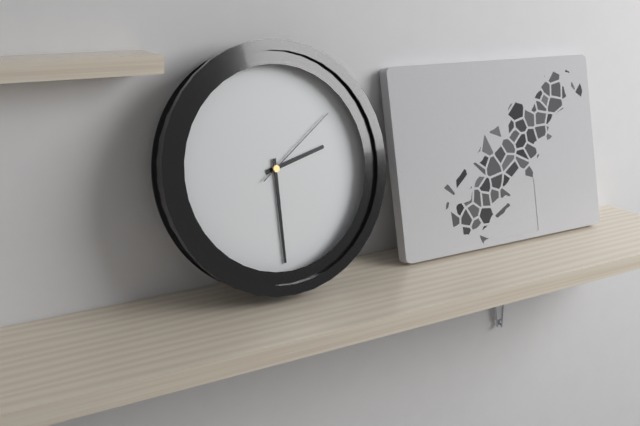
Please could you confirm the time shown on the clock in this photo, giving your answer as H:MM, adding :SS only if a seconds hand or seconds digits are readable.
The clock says 2:30:09
